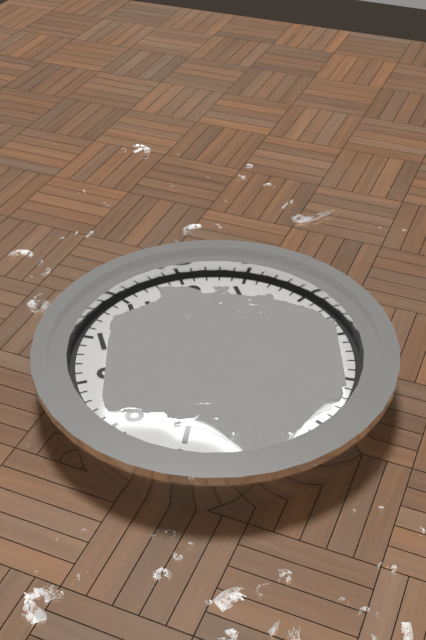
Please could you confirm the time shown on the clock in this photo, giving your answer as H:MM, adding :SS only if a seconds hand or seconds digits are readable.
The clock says 6:11
